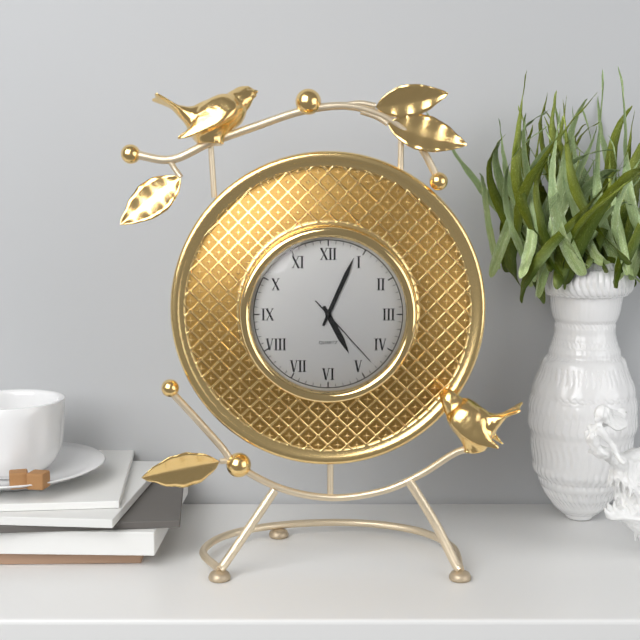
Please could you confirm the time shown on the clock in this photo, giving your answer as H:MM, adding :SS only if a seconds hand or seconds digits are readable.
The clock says 5:04:23
